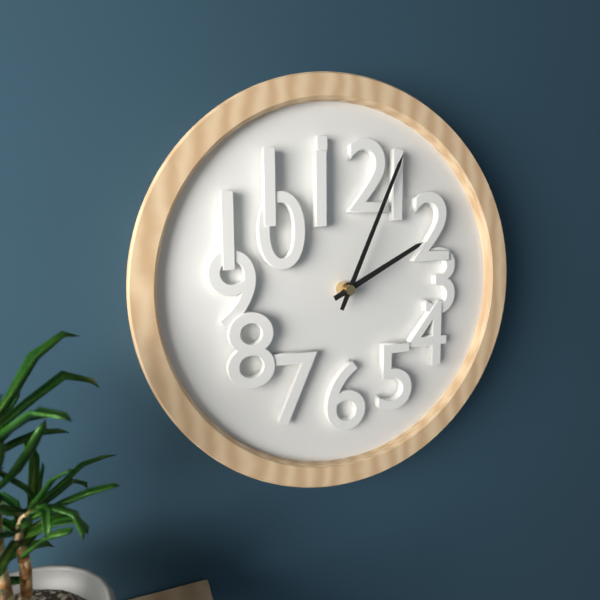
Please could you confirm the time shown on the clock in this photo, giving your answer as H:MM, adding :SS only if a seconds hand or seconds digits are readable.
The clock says 2:04
